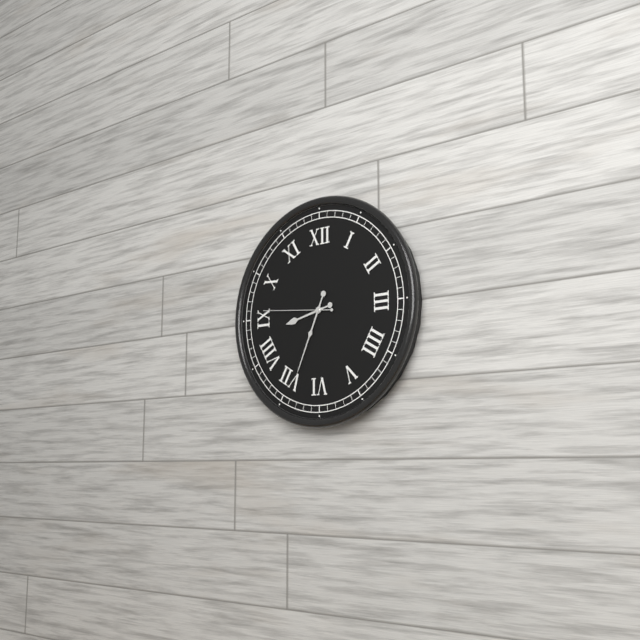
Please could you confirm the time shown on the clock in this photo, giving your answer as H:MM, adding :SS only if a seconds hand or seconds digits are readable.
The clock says 8:34:46
